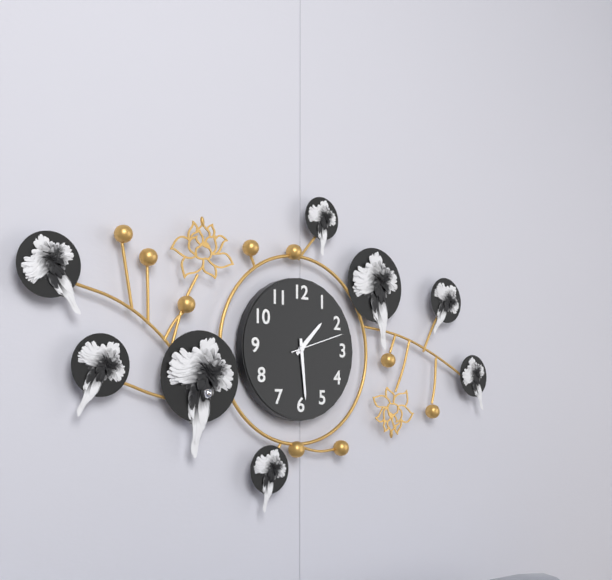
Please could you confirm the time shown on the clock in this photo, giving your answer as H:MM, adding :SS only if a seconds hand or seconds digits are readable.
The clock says 1:29:12
